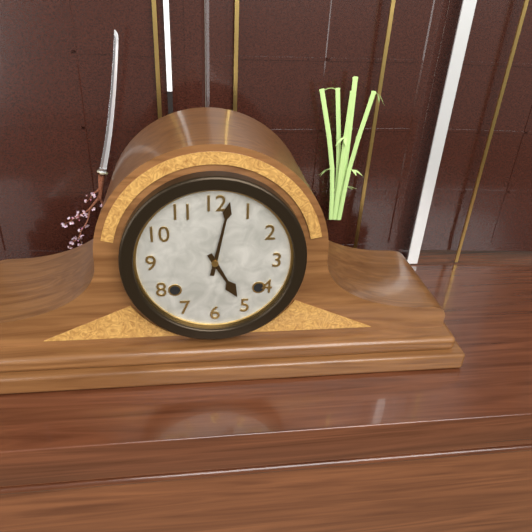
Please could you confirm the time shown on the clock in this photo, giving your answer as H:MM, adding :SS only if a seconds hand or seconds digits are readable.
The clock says 5:02
